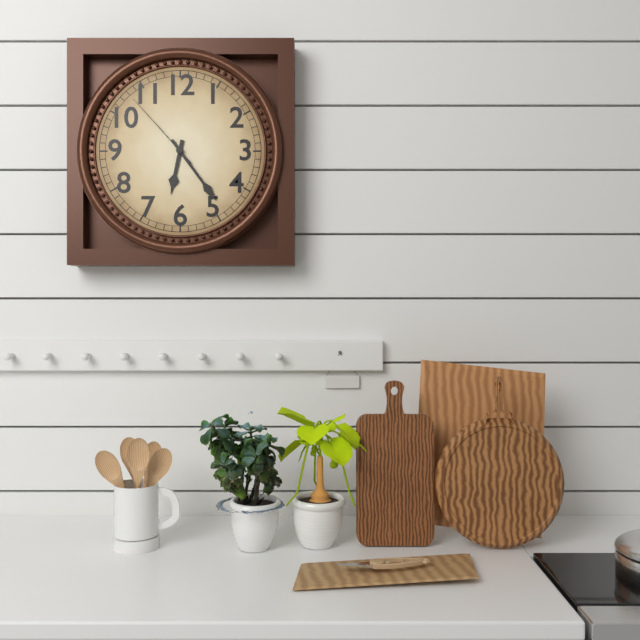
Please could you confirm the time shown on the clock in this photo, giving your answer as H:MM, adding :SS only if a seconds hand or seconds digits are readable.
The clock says 6:24:53
